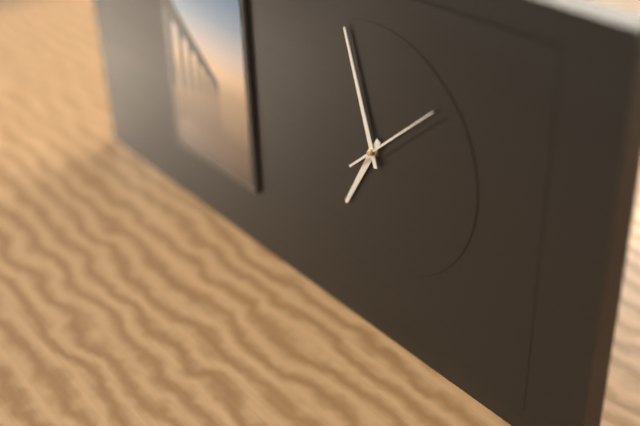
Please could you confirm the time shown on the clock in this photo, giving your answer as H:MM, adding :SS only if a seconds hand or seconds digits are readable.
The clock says 6:57:08
